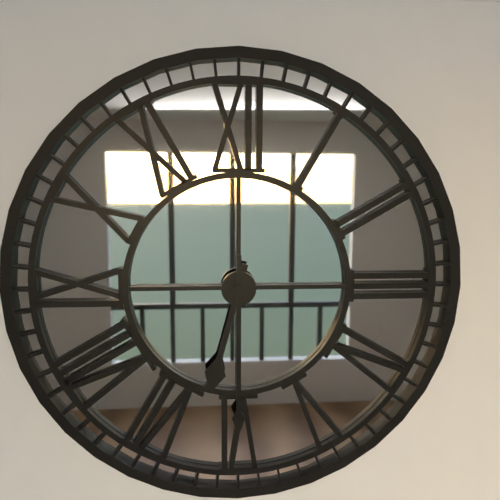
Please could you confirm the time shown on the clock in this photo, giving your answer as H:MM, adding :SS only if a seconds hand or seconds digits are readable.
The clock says 6:30
